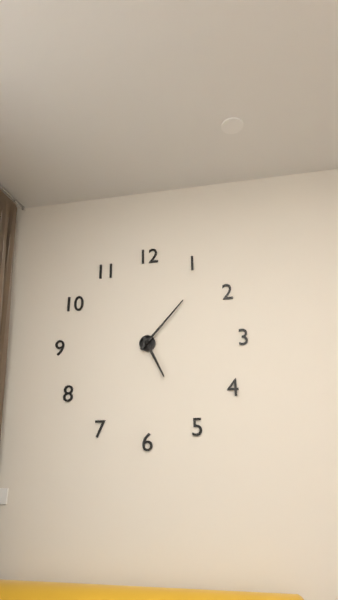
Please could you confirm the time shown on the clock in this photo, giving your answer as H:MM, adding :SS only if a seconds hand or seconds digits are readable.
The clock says 5:07
